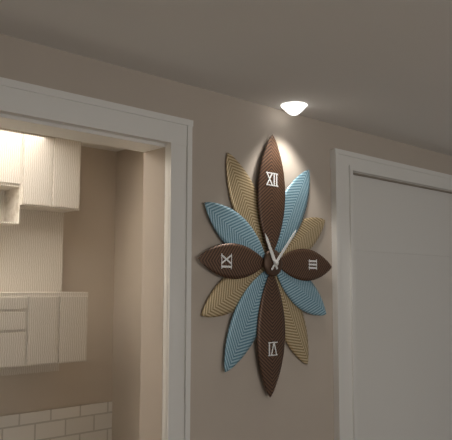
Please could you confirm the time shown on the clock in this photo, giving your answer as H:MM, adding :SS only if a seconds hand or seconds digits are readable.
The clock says 11:07
